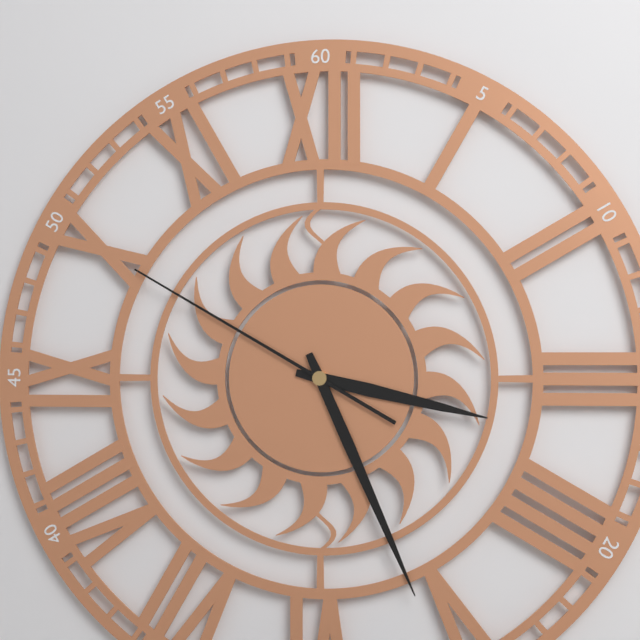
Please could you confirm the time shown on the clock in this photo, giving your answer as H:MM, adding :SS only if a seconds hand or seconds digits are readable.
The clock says 3:26:50
